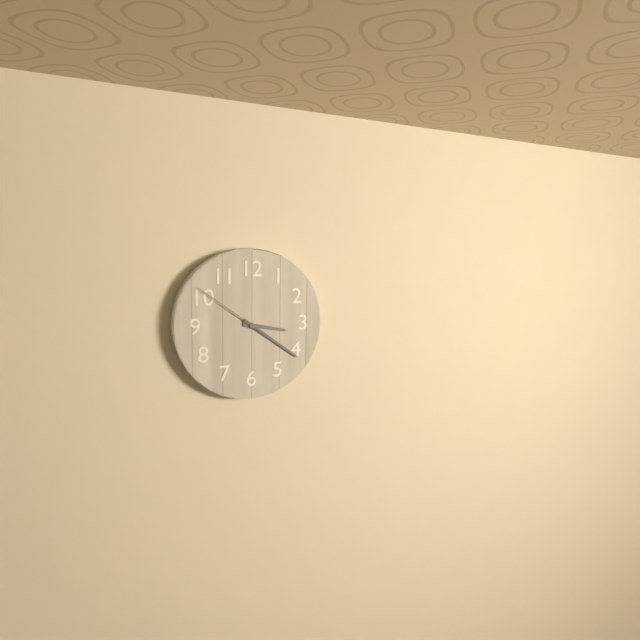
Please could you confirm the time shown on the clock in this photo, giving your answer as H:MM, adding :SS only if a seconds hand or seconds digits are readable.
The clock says 3:21:51
